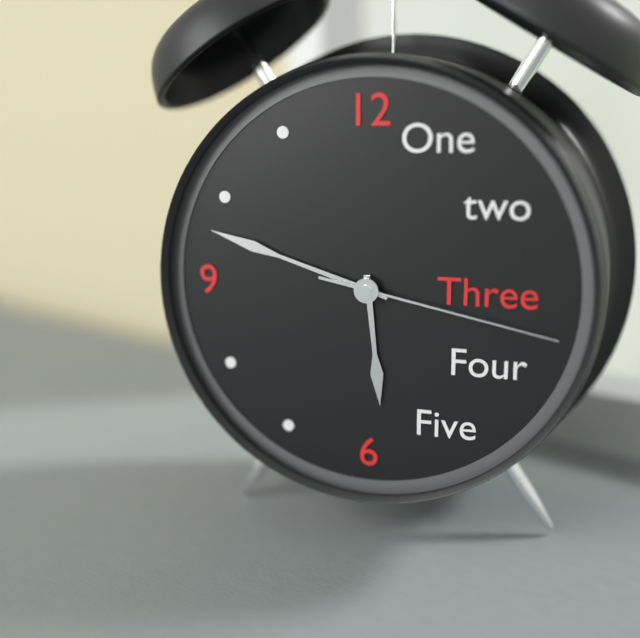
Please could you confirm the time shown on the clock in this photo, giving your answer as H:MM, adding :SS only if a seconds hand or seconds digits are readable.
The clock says 5:48:17
